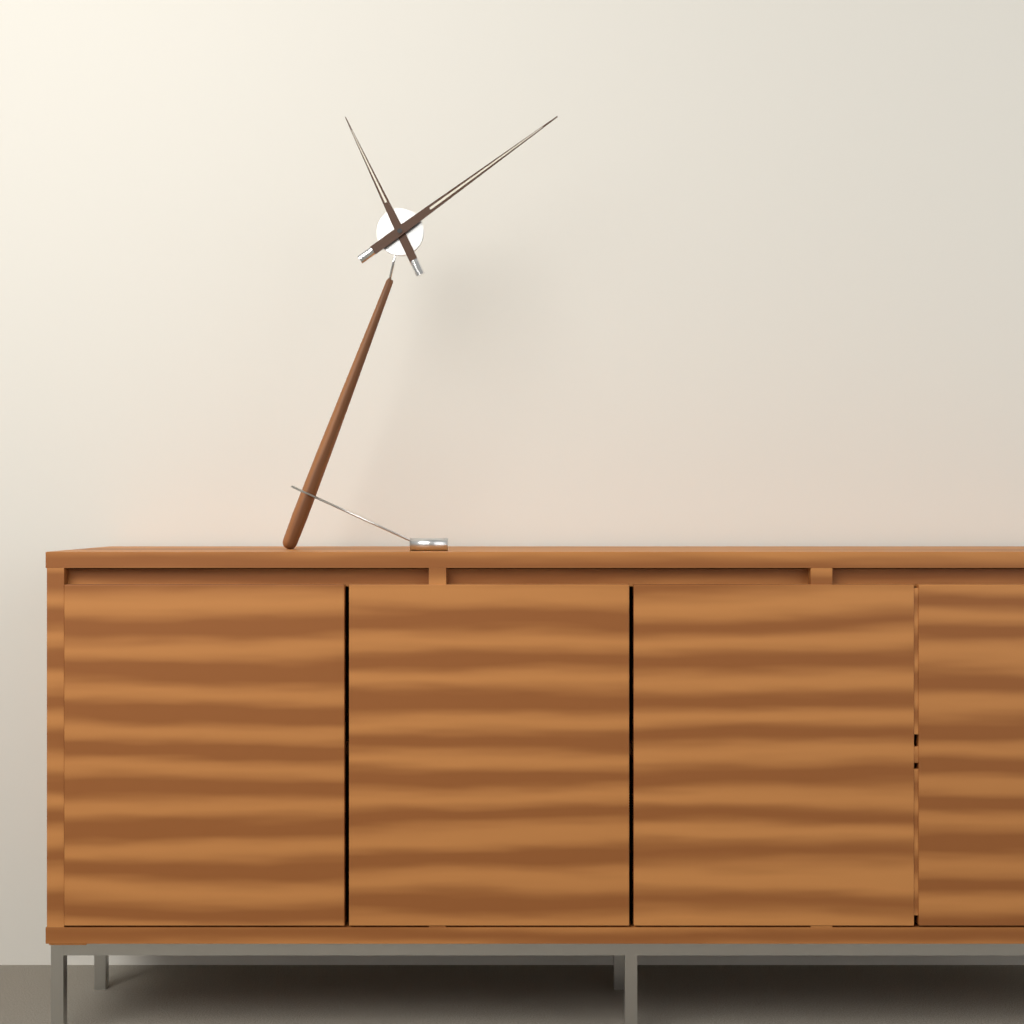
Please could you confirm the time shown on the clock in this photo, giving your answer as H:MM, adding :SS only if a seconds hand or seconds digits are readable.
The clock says 11:09
